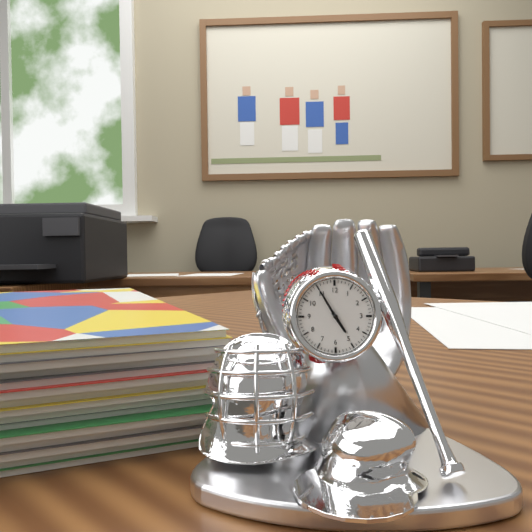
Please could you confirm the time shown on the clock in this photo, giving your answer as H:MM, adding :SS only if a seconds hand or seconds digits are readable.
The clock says 4:55
